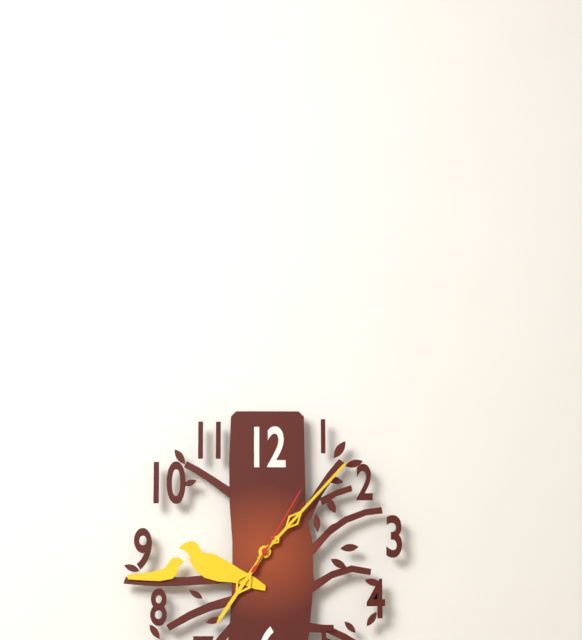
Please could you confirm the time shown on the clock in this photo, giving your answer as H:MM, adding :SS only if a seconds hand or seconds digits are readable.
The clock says 7:07:05
